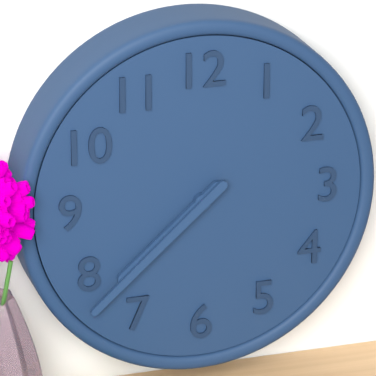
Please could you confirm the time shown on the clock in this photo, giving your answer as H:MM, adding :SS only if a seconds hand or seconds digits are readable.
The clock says 7:38
